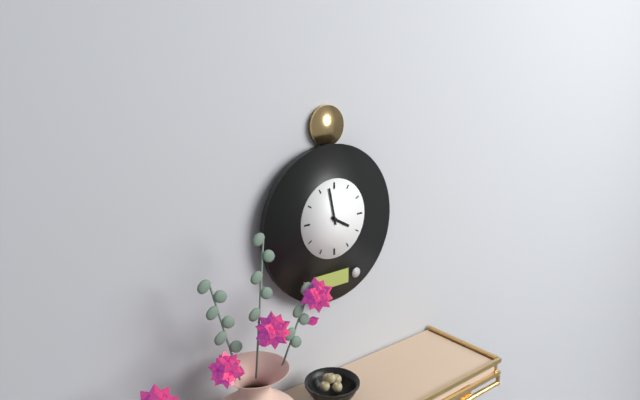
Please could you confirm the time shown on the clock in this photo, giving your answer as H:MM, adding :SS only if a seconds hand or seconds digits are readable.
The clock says 3:58
